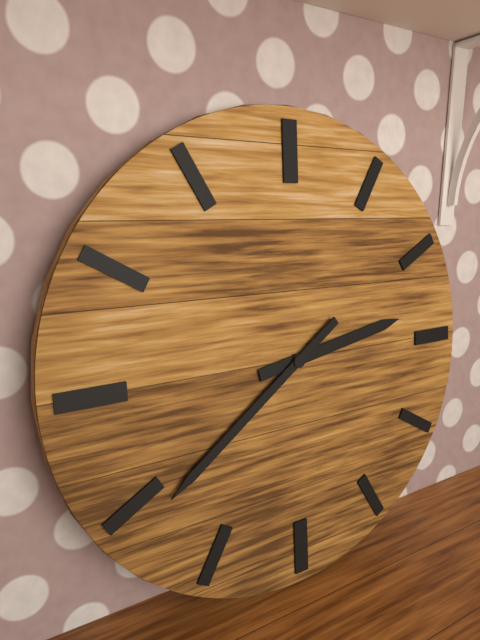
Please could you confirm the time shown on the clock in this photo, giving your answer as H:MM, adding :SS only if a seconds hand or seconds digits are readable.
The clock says 2:39
